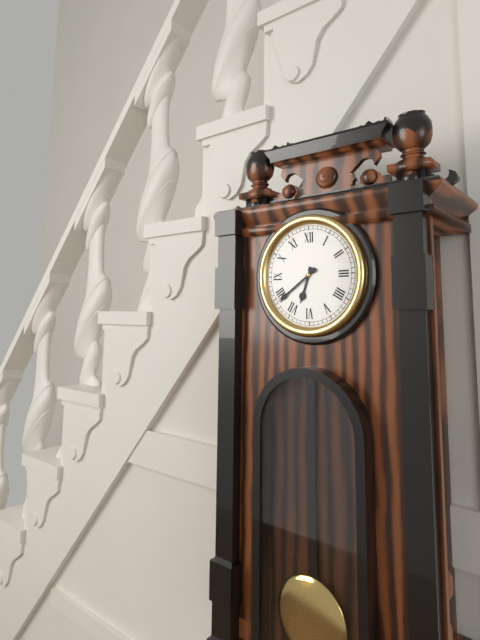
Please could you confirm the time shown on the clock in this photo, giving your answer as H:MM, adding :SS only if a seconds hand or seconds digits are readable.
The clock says 6:39
